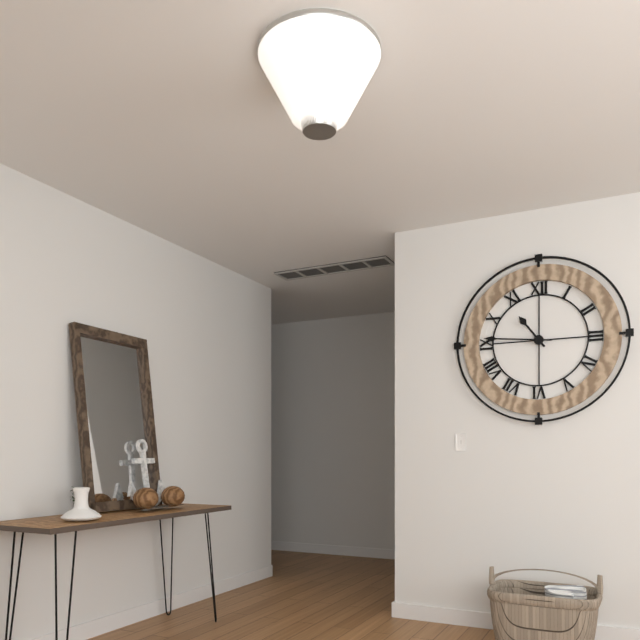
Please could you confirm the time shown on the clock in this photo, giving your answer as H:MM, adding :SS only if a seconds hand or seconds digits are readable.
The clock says 10:46
